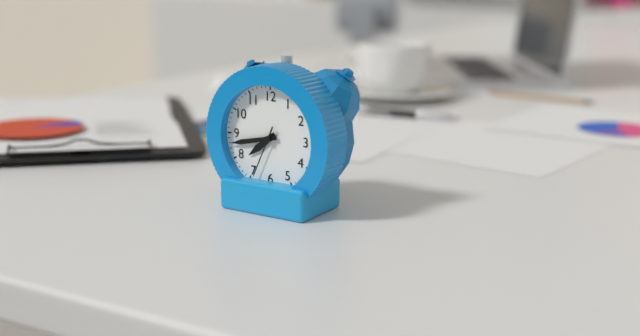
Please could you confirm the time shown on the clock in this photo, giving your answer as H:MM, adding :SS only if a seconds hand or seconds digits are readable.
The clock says 7:43:34
